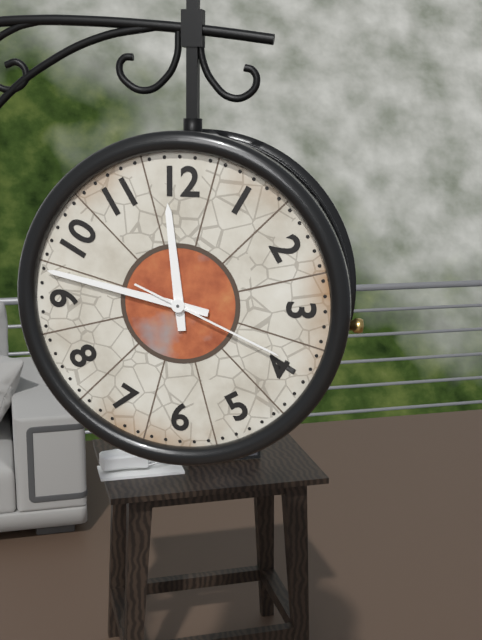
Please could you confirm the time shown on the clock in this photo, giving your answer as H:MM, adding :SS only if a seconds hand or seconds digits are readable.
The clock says 11:47:19
